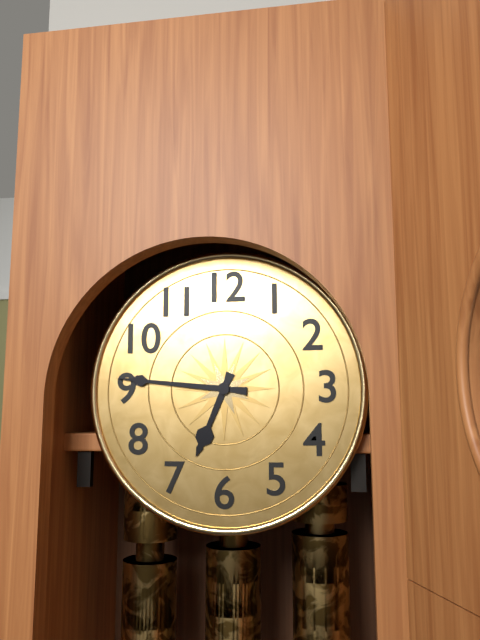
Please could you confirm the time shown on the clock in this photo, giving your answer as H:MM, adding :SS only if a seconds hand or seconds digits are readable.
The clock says 6:46
